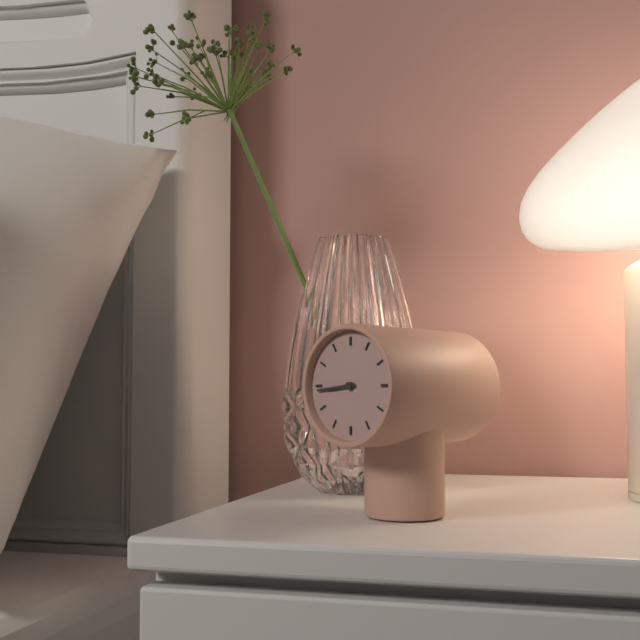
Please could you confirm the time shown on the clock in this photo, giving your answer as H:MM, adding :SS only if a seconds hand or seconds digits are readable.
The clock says 8:44
